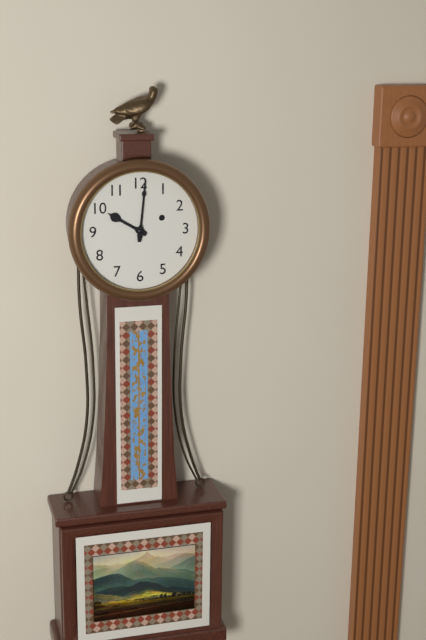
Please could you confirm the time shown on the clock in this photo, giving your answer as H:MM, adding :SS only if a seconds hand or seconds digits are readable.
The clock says 10:01
